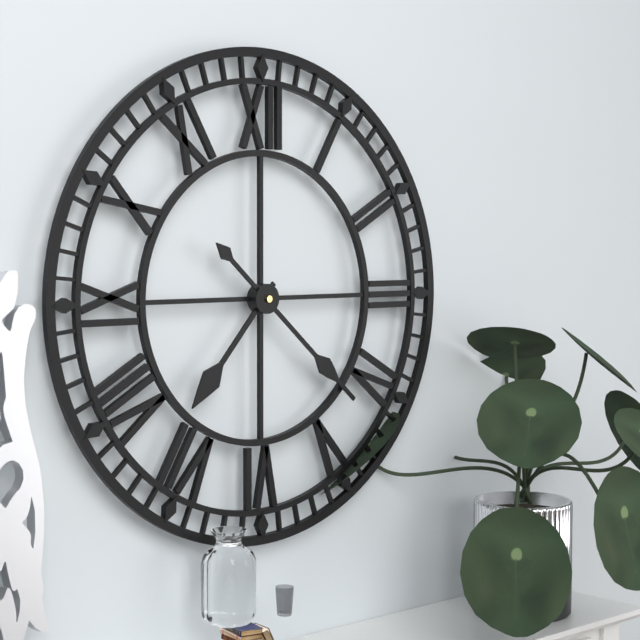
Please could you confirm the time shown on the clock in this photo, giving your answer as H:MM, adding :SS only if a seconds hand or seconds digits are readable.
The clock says 7:22
